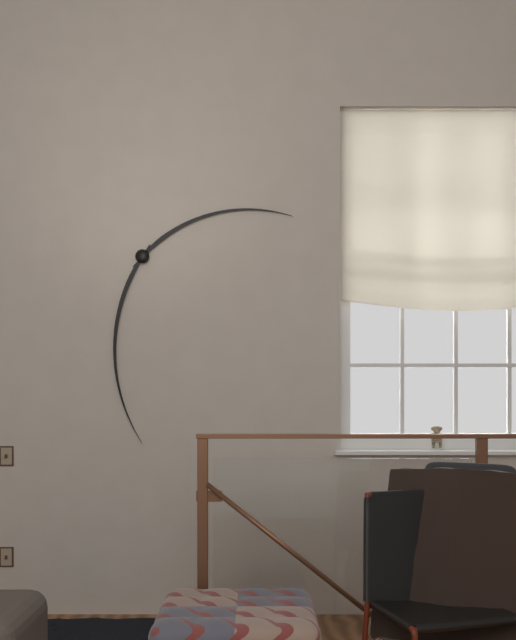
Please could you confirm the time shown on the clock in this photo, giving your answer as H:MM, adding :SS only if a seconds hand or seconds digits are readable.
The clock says 2:30
